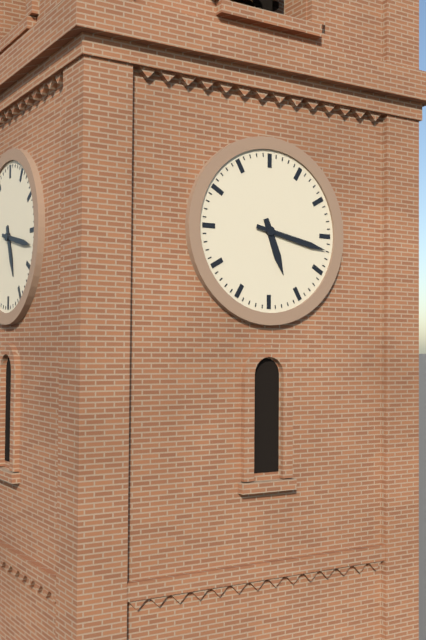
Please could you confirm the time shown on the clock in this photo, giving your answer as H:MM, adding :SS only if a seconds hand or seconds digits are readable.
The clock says 5:17
